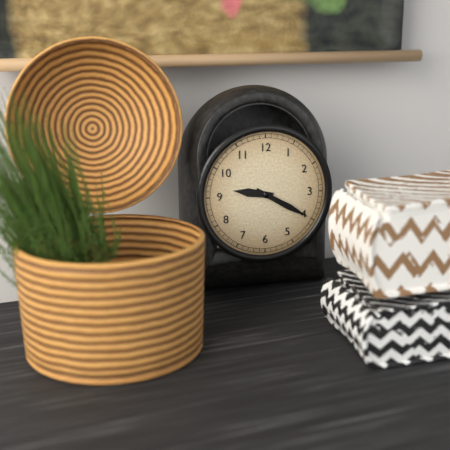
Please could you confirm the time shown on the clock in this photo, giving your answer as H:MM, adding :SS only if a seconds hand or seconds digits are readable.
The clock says 9:20
